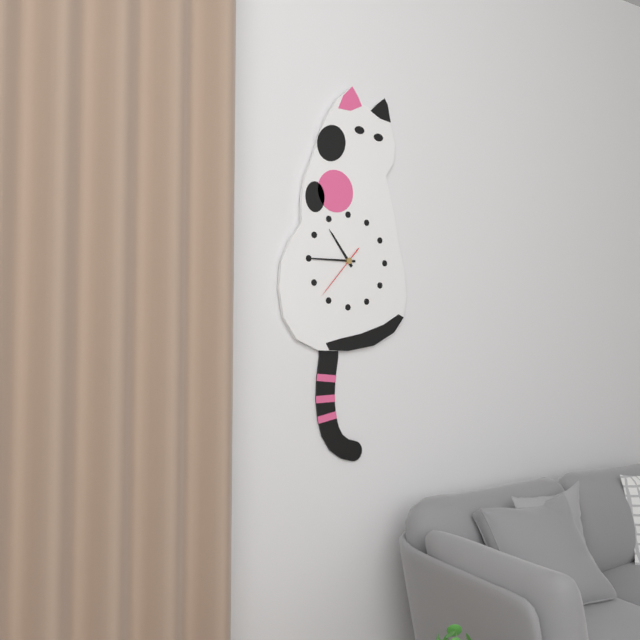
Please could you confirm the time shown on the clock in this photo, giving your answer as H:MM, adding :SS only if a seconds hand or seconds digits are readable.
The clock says 10:45:37
